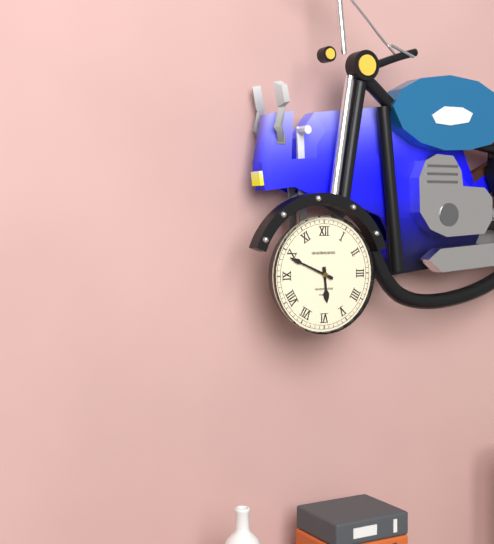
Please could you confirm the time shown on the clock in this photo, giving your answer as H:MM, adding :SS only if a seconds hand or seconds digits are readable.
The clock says 5:49
